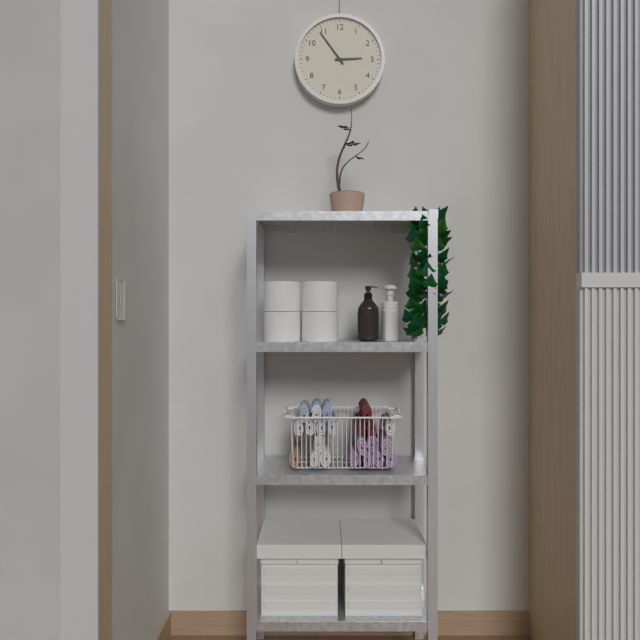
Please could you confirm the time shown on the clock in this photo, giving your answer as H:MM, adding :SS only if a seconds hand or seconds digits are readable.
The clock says 2:54
